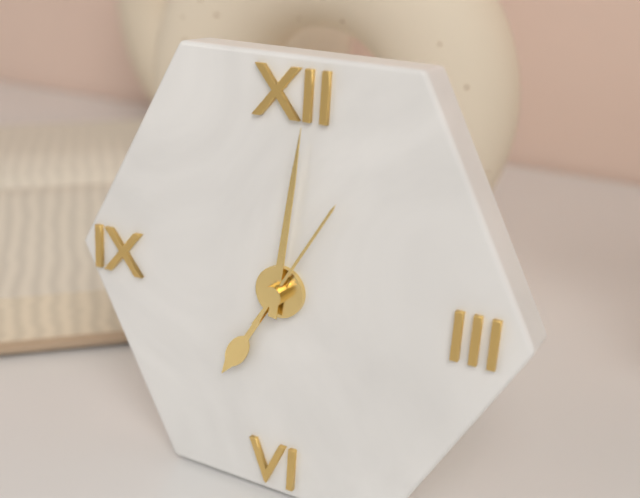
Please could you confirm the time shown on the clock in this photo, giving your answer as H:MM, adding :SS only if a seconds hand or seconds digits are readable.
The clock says 7:01:05
